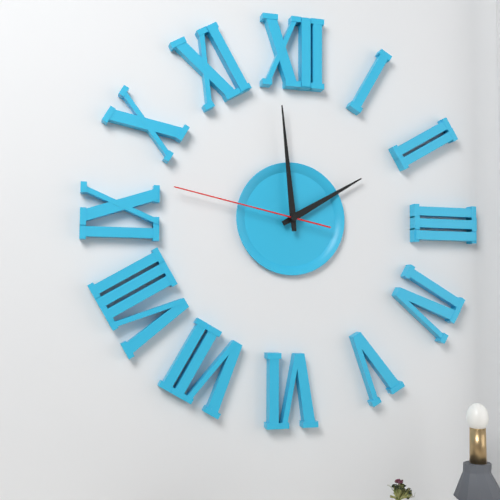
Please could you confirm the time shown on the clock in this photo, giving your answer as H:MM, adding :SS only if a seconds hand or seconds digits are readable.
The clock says 1:59:47
